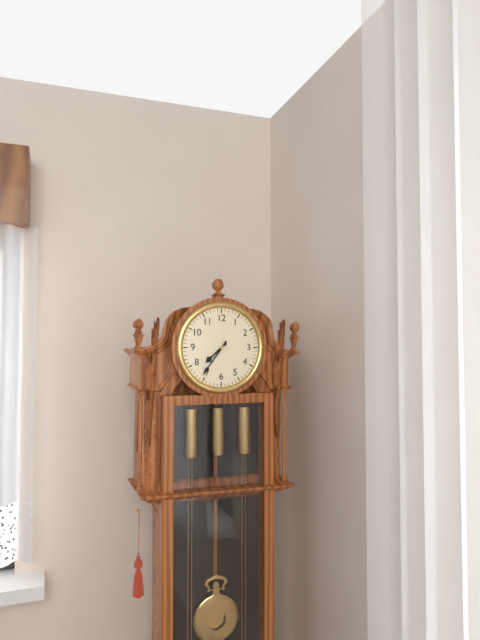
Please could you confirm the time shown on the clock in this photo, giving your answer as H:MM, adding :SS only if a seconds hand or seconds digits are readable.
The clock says 7:36
